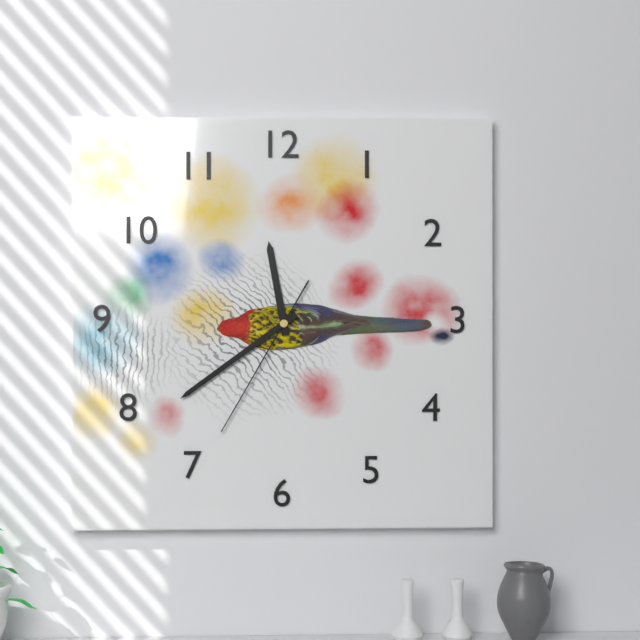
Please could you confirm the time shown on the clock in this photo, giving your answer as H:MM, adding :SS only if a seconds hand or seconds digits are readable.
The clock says 11:39:35
